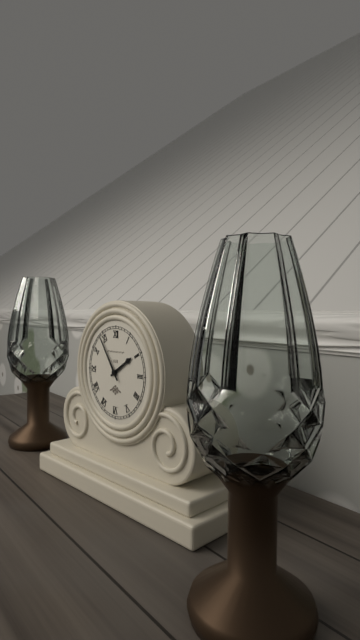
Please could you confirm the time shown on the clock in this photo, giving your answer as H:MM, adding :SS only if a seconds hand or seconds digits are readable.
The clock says 1:54
